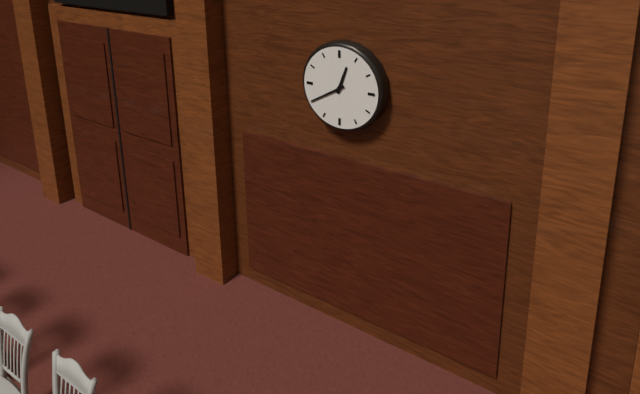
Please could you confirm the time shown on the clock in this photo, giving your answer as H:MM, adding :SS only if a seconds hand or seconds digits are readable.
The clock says 12:40
